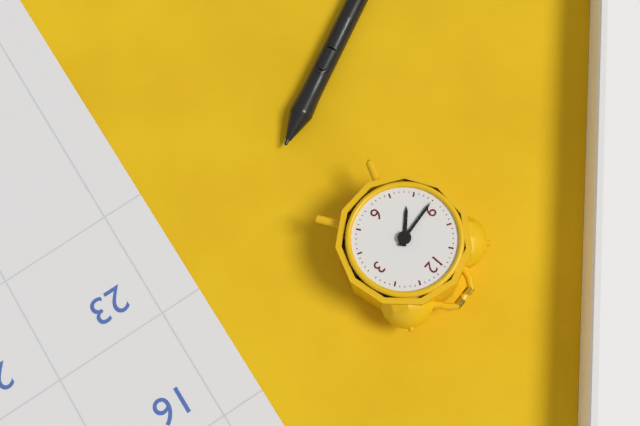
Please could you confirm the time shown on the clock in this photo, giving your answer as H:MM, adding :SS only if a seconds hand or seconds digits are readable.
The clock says 7:44
